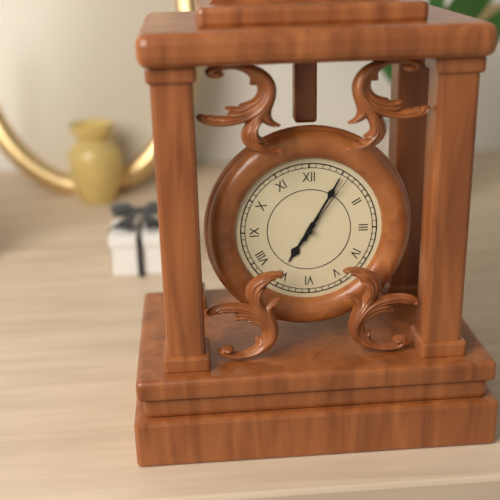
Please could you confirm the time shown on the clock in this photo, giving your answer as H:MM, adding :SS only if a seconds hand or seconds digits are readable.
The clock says 7:05:06
